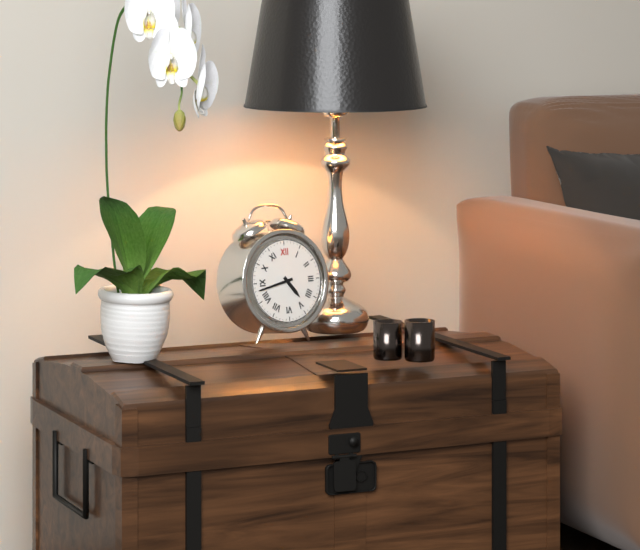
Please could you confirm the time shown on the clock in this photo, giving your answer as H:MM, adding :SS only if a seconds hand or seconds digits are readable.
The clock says 4:43
